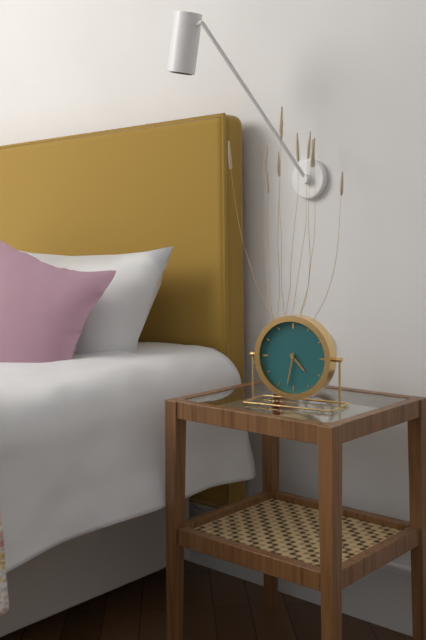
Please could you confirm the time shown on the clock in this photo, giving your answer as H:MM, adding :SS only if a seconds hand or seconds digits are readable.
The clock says 4:32
